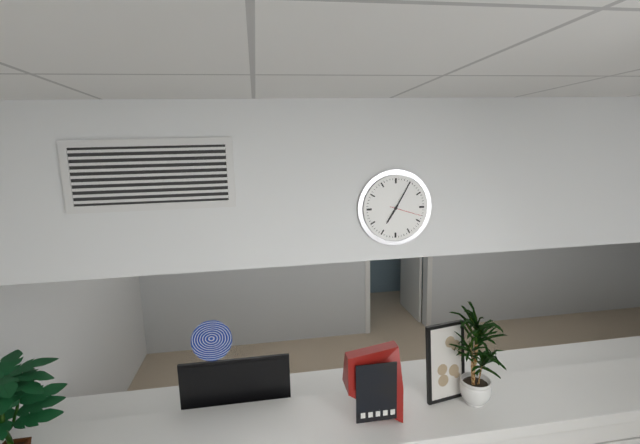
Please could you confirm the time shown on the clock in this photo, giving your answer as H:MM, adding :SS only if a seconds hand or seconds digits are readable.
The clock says 7:05
